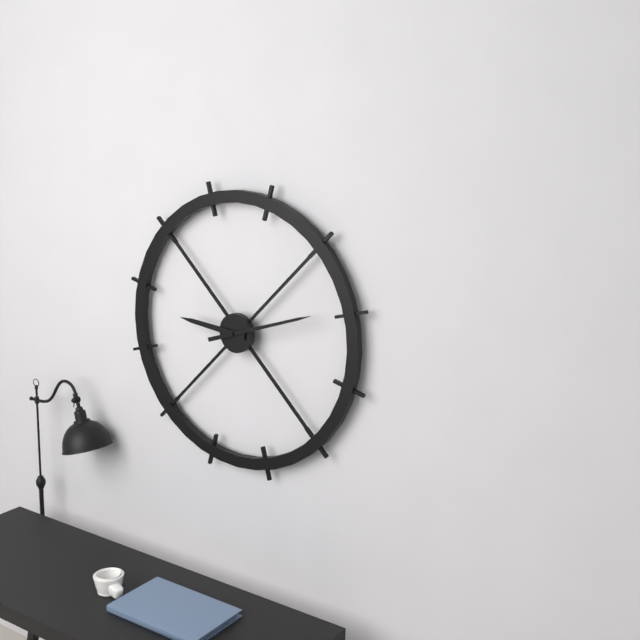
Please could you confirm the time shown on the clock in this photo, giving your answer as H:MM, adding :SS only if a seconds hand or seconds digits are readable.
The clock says 9:12
